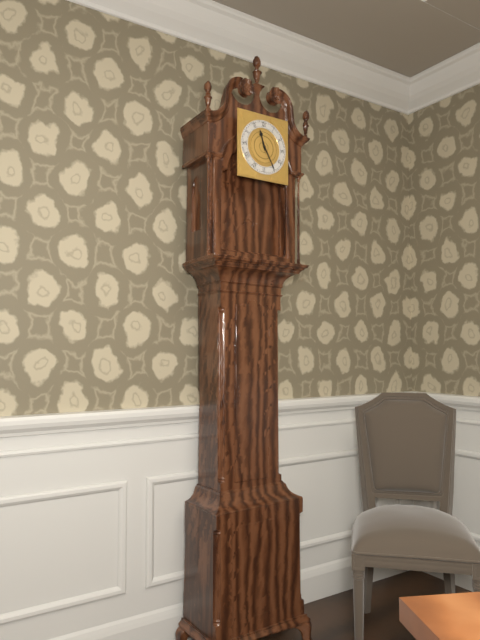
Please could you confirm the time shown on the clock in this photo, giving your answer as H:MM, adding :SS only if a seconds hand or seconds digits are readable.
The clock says 11:25
